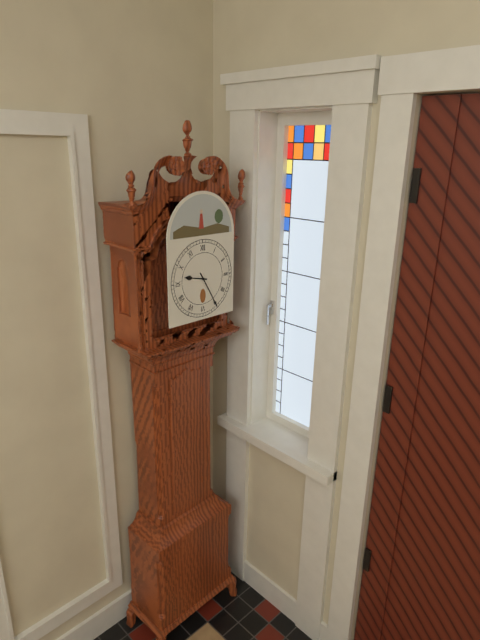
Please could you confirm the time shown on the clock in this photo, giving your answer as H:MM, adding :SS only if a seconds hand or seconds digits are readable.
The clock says 9:25
